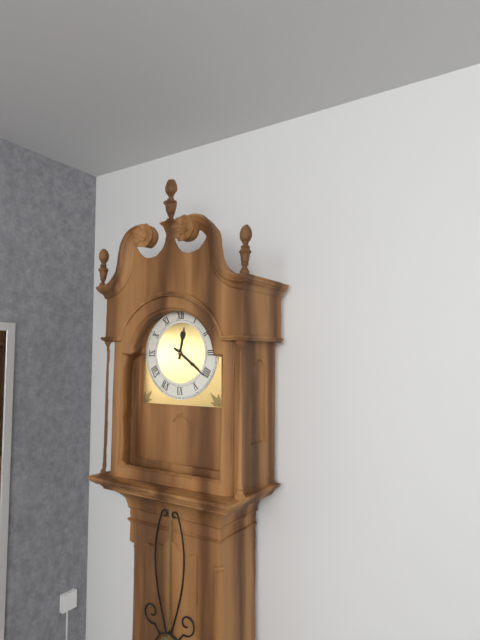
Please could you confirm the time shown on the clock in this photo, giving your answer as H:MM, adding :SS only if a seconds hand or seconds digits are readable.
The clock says 12:21
